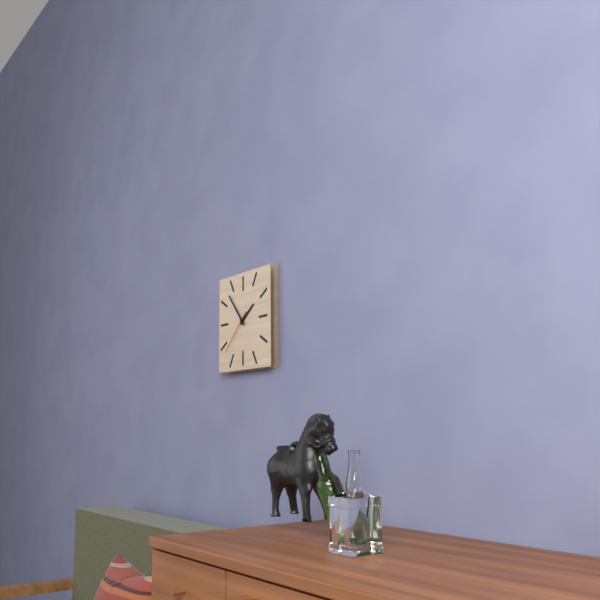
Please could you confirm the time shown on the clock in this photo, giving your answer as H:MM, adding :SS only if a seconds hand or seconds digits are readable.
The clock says 1:53
